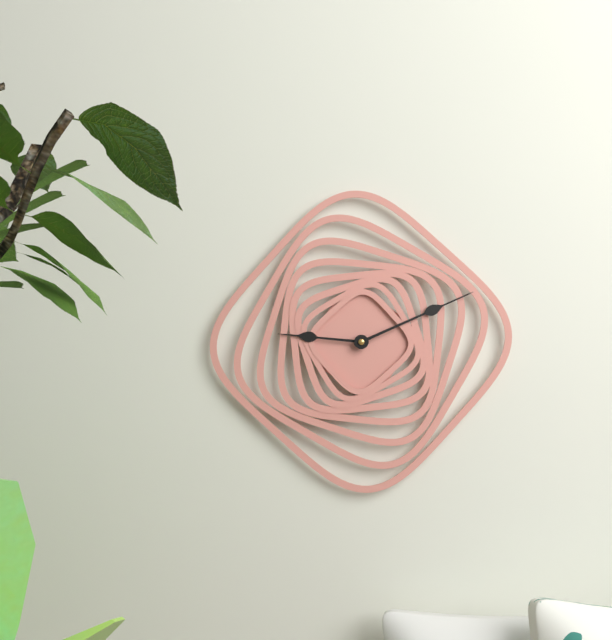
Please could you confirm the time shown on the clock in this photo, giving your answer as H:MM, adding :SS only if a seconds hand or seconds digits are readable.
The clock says 9:11
